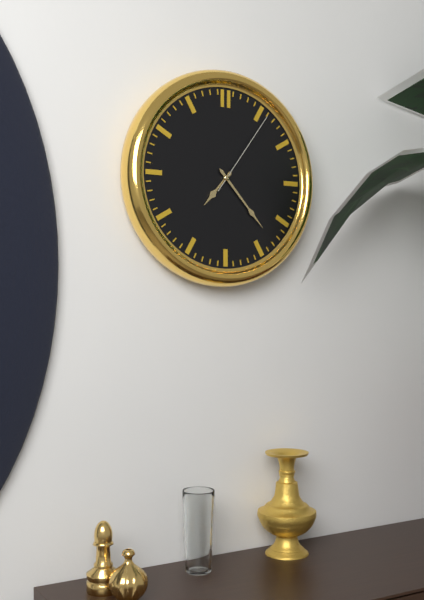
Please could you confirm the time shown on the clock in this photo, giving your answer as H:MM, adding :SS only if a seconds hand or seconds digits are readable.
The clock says 7:23:06
